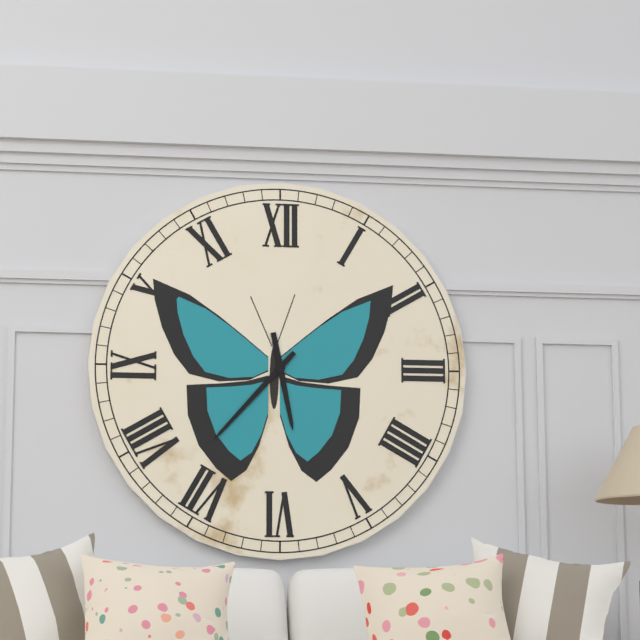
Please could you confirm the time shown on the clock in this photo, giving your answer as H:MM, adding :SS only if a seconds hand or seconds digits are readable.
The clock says 5:37
